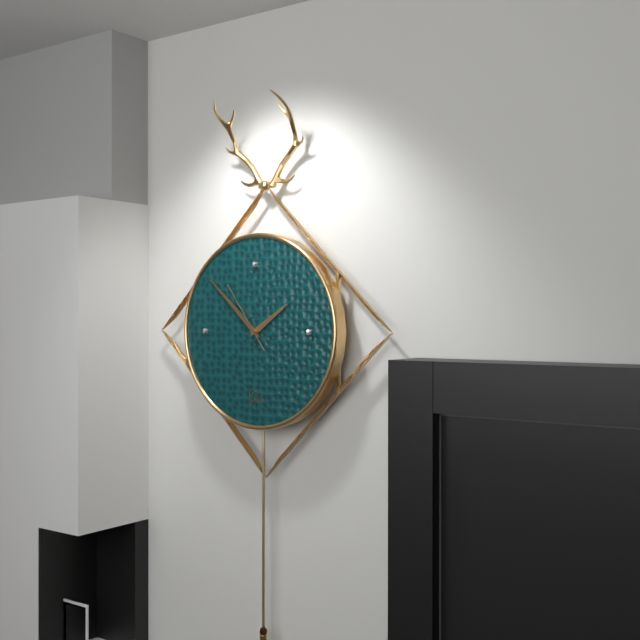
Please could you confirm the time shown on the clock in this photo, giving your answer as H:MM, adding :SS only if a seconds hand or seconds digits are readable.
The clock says 1:52:54
